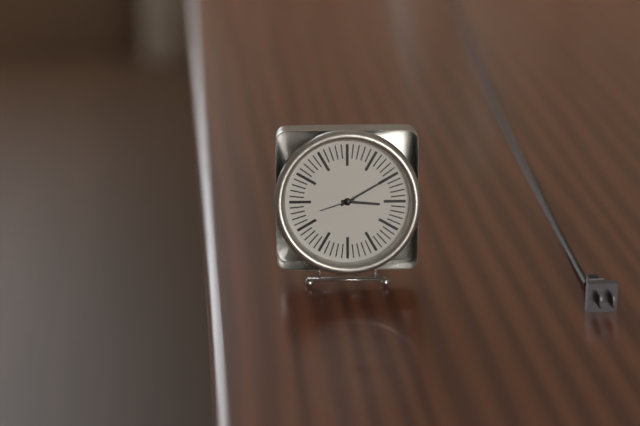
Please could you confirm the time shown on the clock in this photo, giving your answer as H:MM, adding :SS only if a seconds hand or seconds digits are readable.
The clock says 3:10
